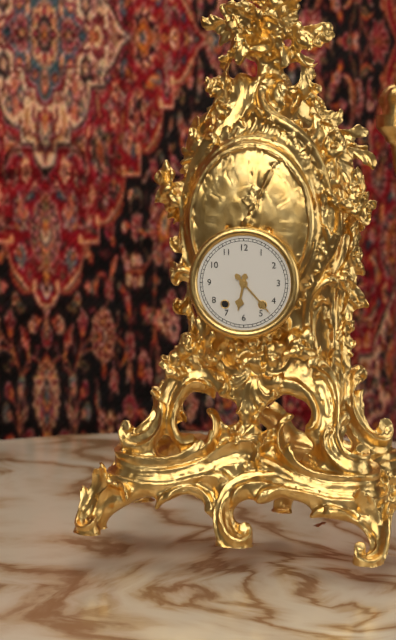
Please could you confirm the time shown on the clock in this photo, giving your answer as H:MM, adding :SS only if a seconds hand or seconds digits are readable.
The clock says 6:23
